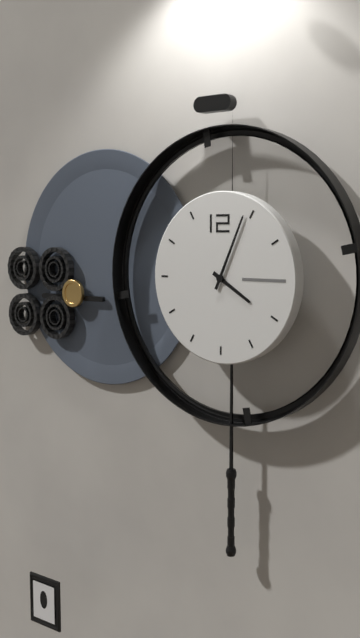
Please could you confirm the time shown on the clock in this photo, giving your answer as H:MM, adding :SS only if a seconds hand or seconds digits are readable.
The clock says 4:04
